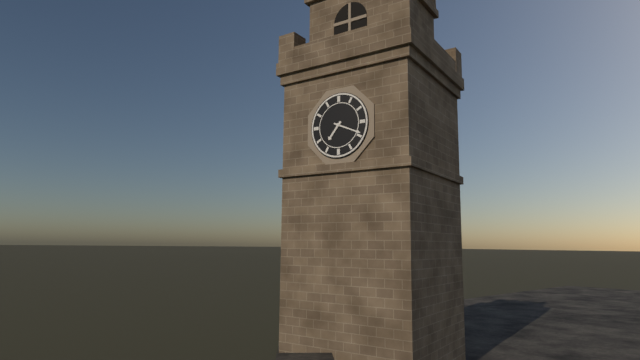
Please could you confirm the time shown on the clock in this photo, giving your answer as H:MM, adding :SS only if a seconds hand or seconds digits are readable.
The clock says 7:19
